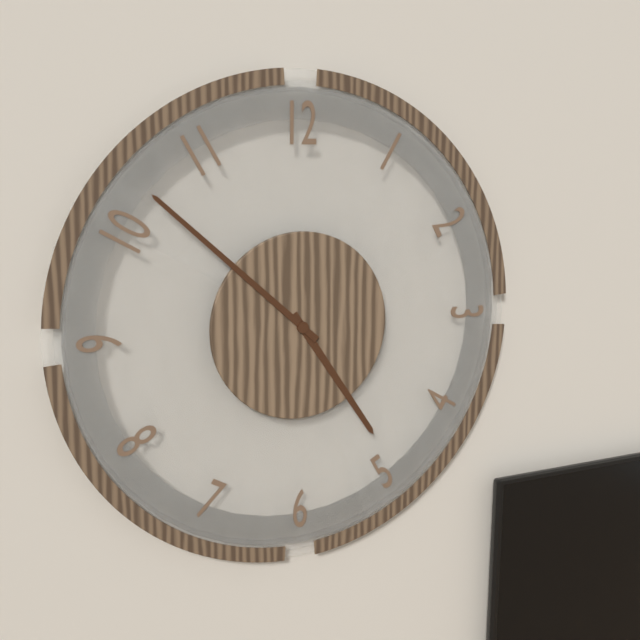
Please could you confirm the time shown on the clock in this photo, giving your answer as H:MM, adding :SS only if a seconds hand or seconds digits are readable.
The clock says 4:52
